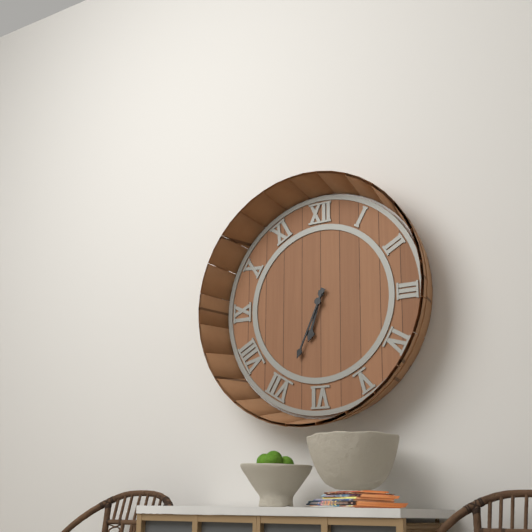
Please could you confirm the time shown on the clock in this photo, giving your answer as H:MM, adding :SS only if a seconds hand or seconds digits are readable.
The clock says 6:34
